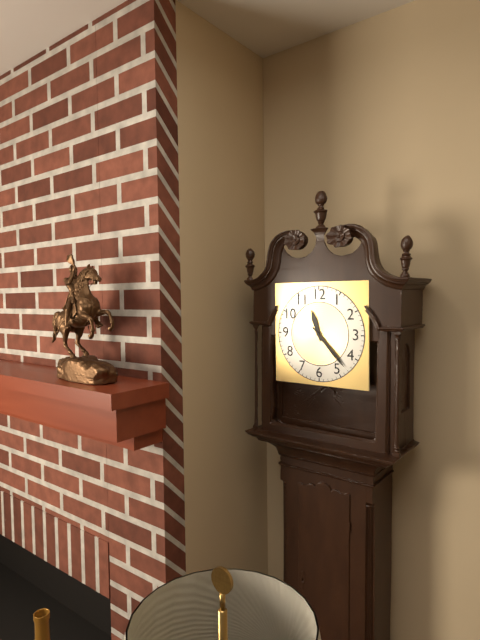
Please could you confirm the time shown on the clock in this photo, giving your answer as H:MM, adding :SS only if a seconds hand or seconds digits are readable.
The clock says 11:23
